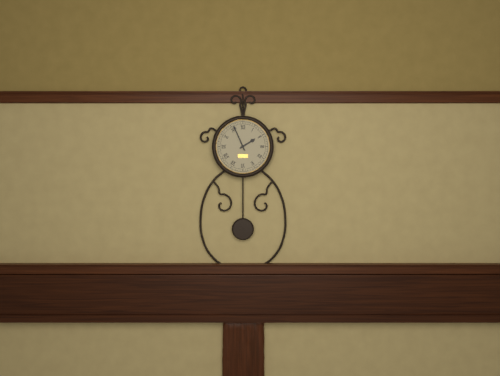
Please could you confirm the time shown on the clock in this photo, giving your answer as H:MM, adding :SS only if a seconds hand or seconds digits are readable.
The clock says 1:56
